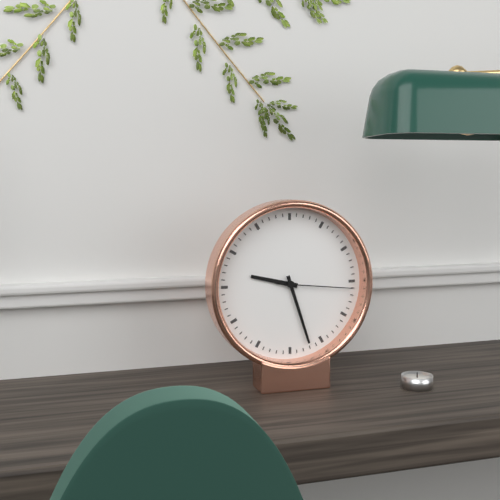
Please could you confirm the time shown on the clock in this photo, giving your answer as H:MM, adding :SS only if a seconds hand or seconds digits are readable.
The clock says 9:27:16
